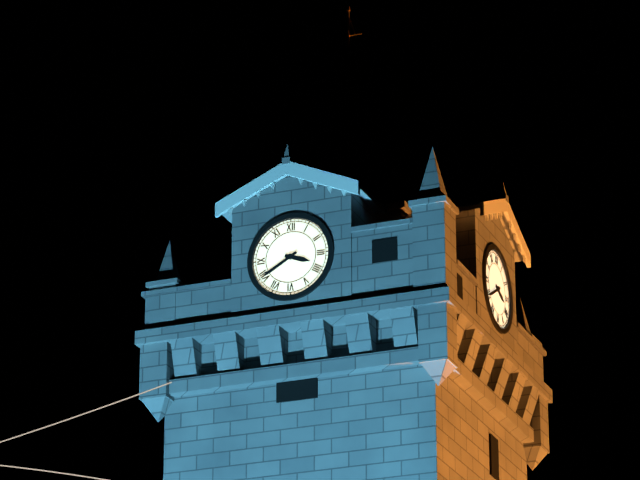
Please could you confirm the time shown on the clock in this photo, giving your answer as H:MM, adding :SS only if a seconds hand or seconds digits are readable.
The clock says 3:40
